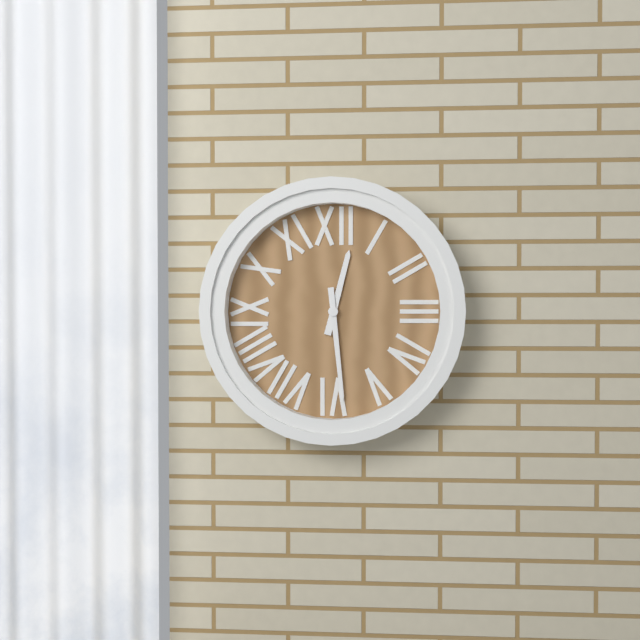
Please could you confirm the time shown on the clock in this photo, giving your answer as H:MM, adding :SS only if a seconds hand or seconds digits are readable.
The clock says 12:29
